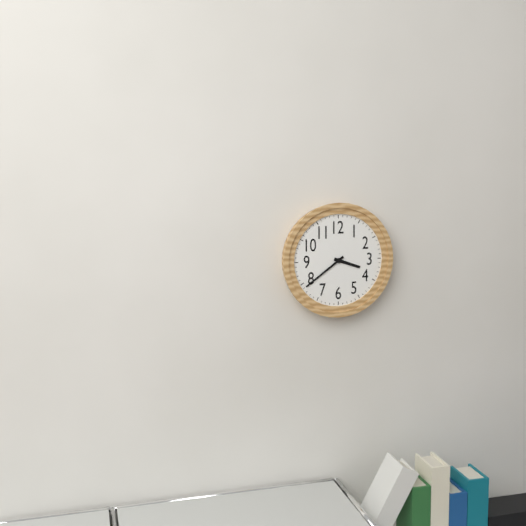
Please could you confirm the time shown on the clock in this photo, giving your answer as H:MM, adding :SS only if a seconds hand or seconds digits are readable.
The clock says 3:39
